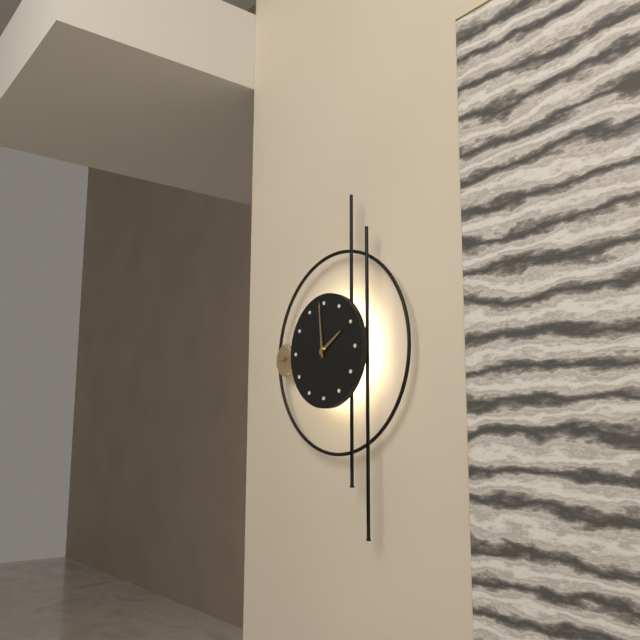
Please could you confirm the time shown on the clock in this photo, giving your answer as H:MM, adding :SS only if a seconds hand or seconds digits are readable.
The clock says 1:59
